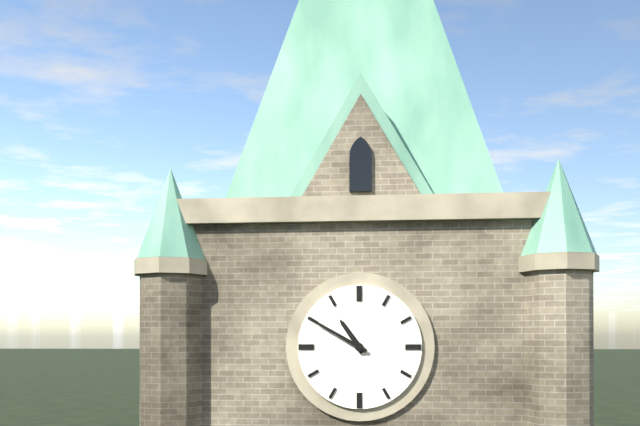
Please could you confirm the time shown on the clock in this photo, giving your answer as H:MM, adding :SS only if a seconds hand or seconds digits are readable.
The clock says 10:50
